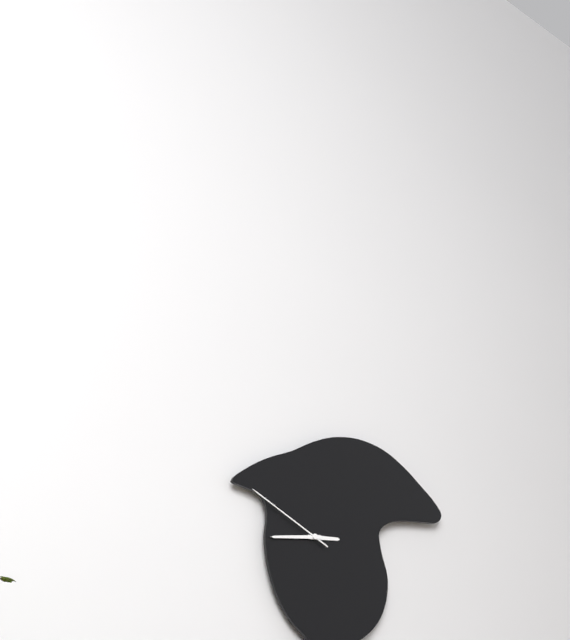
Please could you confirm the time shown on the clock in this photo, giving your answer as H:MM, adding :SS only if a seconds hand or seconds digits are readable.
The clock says 2:43:49
